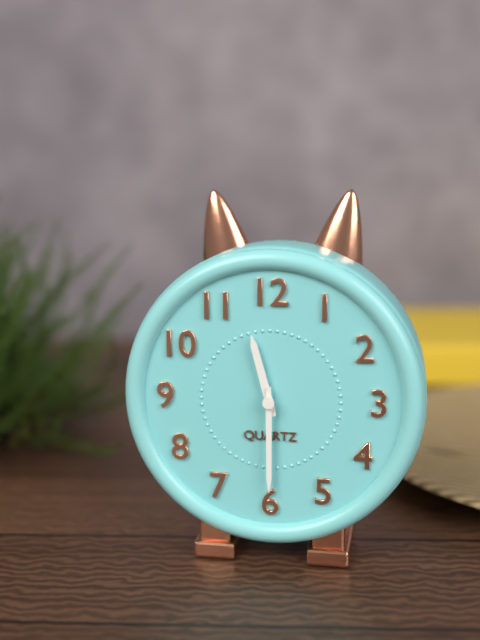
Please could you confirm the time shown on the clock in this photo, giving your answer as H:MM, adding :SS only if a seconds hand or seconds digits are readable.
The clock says 11:30
